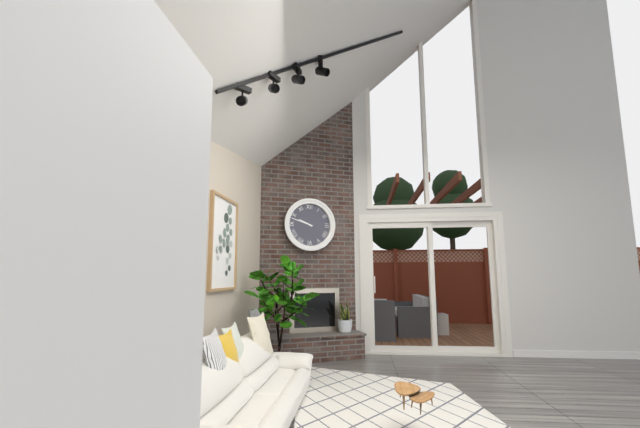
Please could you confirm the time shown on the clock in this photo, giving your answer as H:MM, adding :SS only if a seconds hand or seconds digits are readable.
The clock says 9:48
